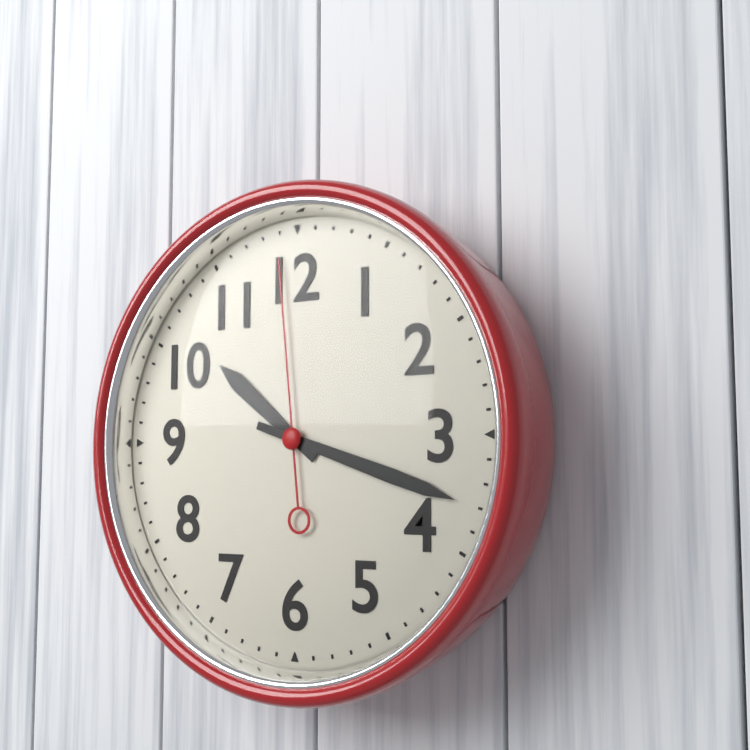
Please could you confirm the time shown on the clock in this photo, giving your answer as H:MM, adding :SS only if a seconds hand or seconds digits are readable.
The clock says 10:18:59
